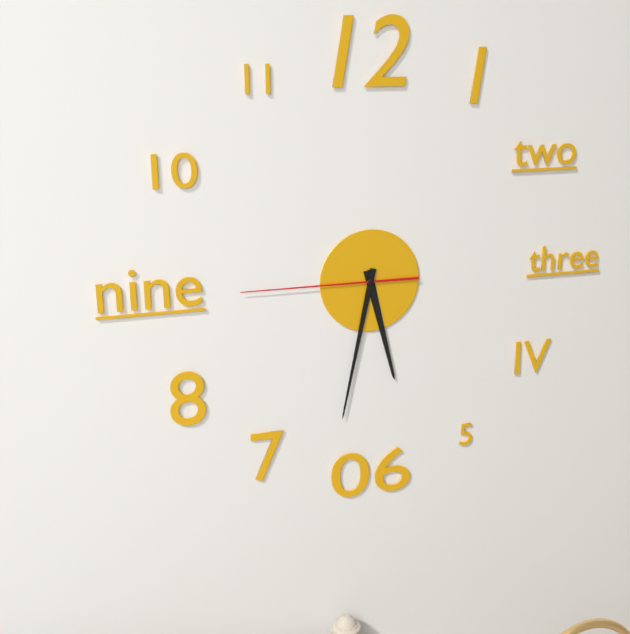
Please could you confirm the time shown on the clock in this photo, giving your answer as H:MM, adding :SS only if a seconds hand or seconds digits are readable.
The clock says 5:32:45
